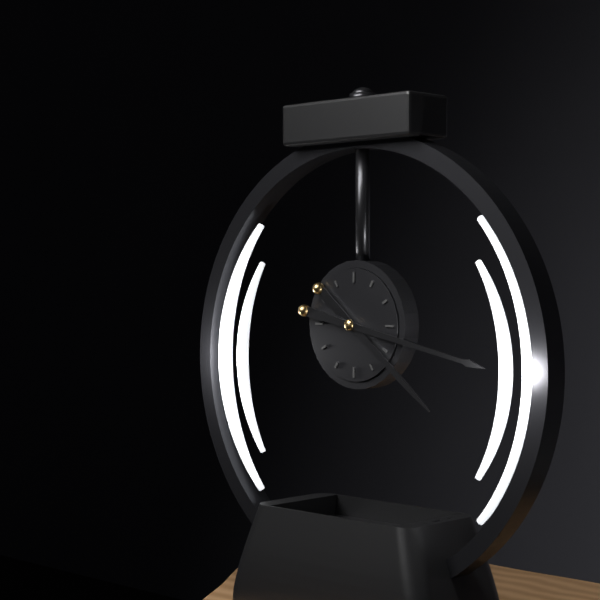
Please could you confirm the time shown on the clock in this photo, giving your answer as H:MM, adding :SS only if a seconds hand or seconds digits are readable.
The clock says 4:17
